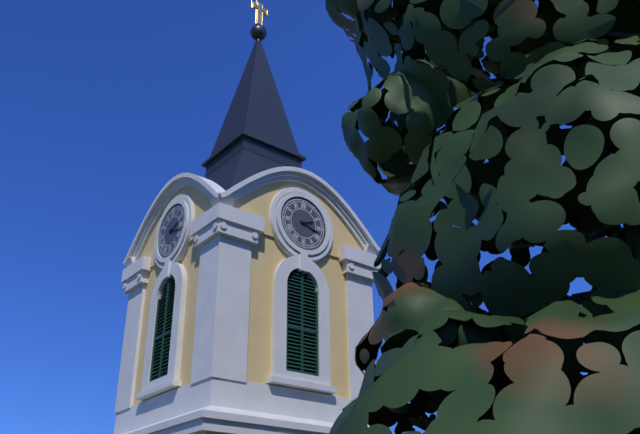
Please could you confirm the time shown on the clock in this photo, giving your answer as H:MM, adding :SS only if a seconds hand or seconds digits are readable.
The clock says 2:18
